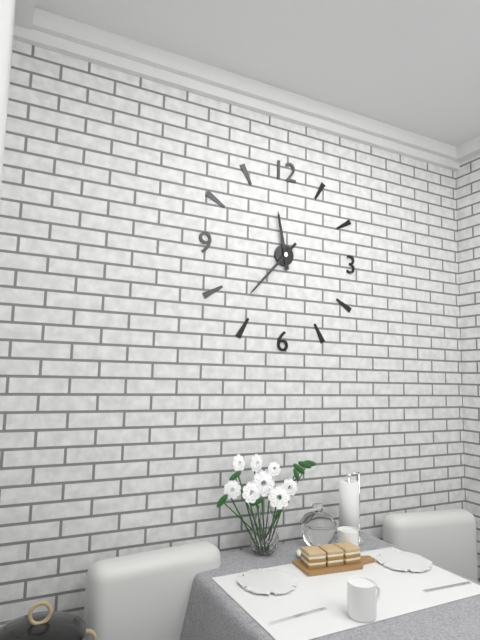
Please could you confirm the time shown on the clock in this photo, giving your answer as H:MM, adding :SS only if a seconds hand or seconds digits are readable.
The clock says 11:37
